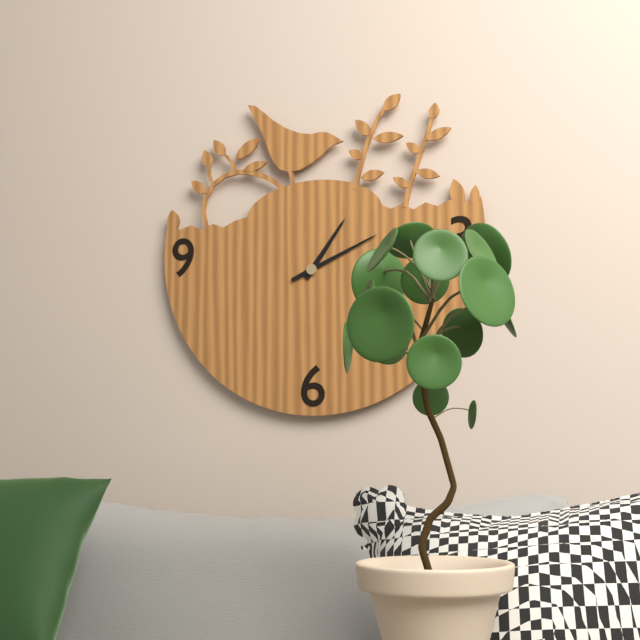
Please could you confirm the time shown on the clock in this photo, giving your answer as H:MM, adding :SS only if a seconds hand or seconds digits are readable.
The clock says 1:11
